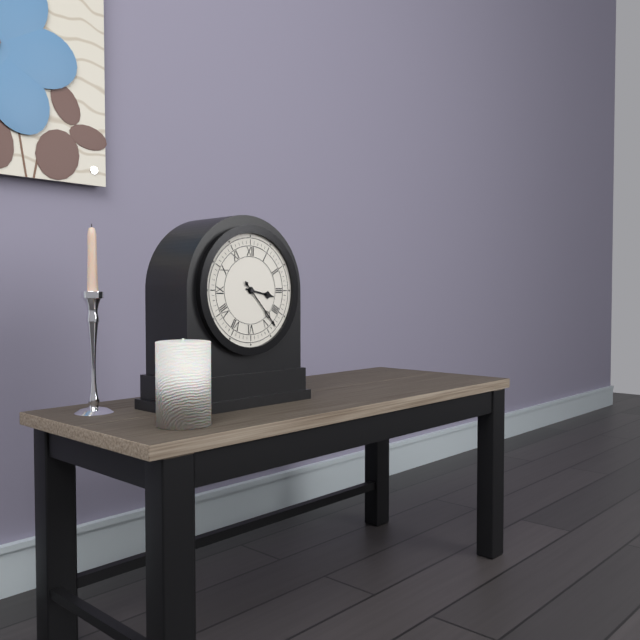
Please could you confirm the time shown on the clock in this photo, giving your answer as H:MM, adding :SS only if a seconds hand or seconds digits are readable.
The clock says 3:23
